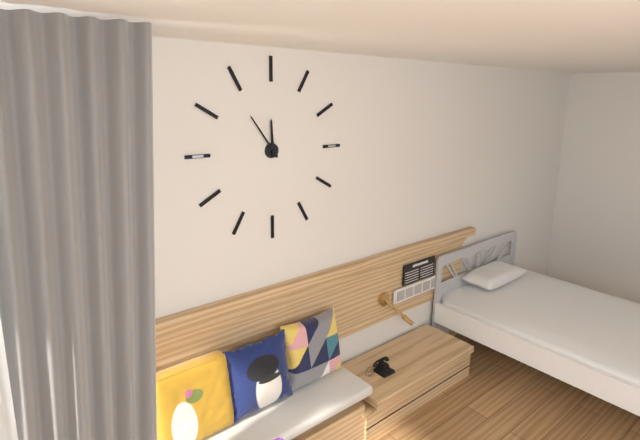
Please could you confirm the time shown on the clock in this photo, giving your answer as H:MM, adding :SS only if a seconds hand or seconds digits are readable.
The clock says 11:54
